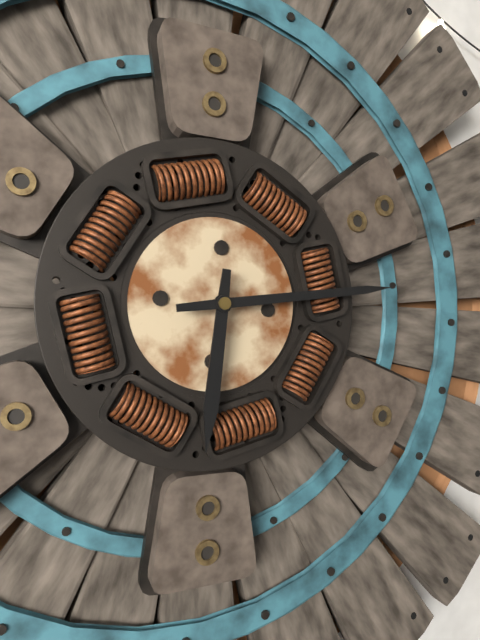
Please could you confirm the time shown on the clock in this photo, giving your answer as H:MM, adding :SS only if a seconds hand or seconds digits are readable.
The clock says 6:14
